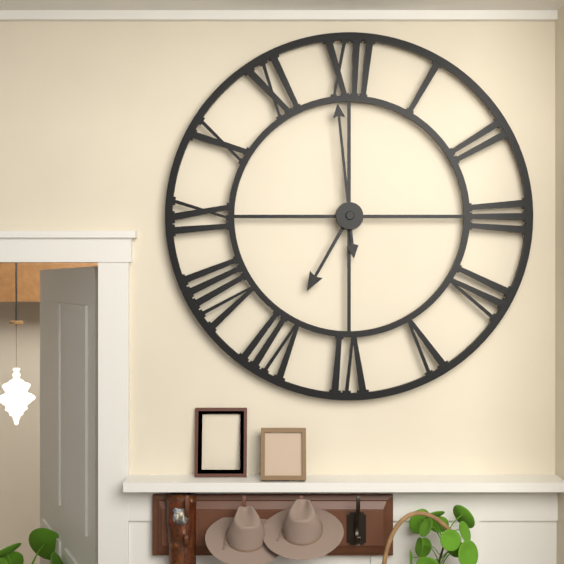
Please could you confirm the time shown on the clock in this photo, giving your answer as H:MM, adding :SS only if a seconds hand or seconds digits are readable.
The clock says 6:59
